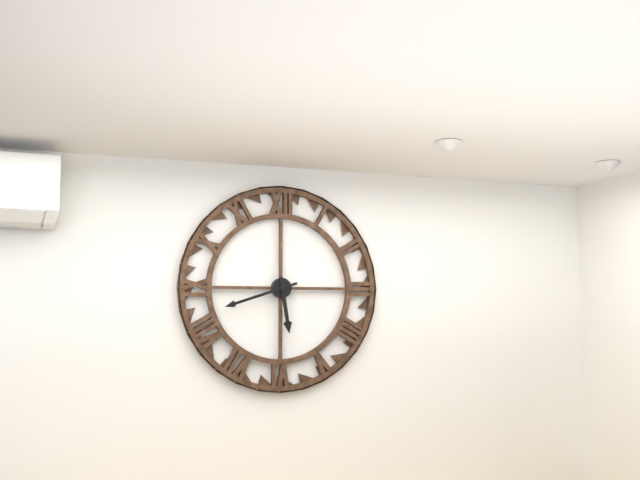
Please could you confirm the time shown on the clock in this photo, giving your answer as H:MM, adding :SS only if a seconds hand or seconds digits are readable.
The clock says 5:42
